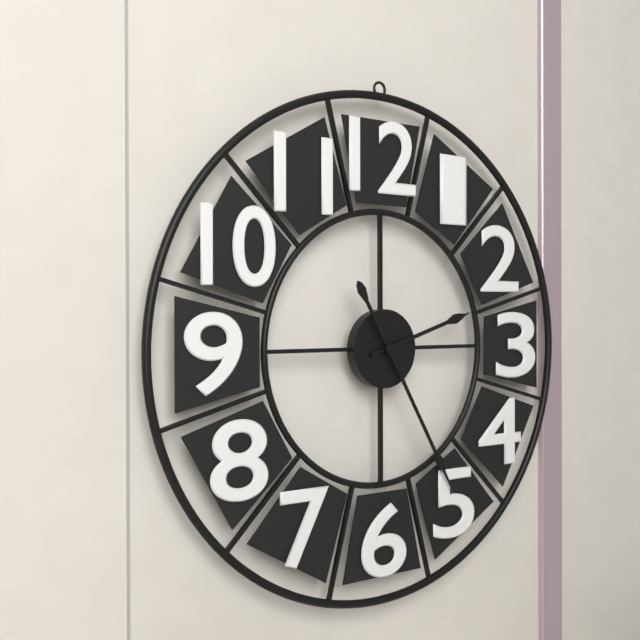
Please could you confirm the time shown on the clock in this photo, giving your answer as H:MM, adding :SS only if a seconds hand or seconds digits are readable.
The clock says 2:25
